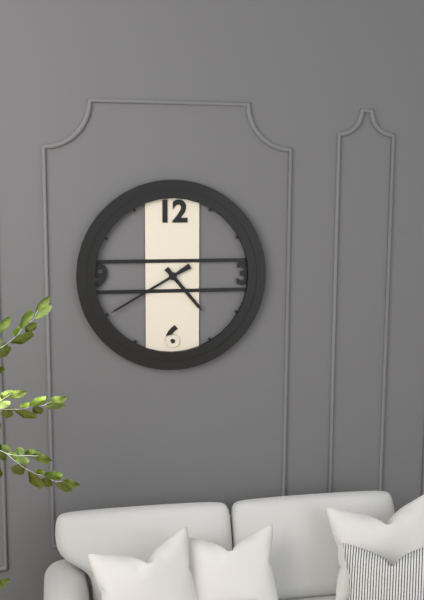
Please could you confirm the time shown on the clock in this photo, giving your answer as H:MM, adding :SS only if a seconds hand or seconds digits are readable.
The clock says 4:40
